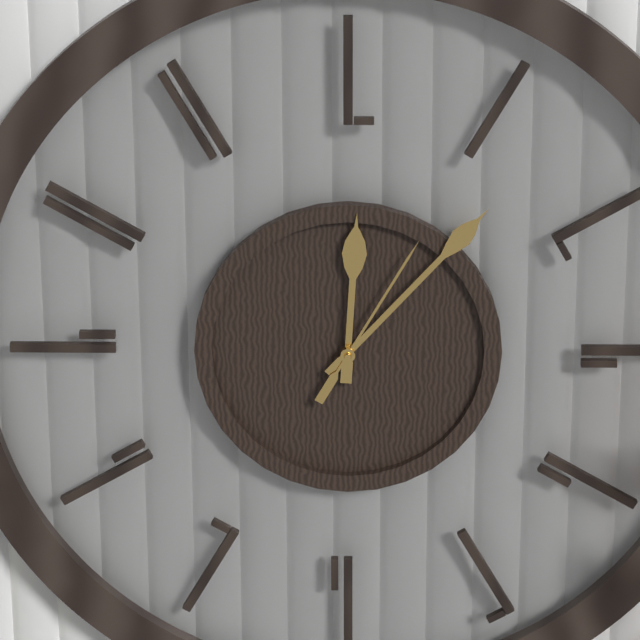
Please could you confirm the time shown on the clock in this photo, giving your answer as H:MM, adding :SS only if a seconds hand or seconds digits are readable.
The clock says 12:07:05
